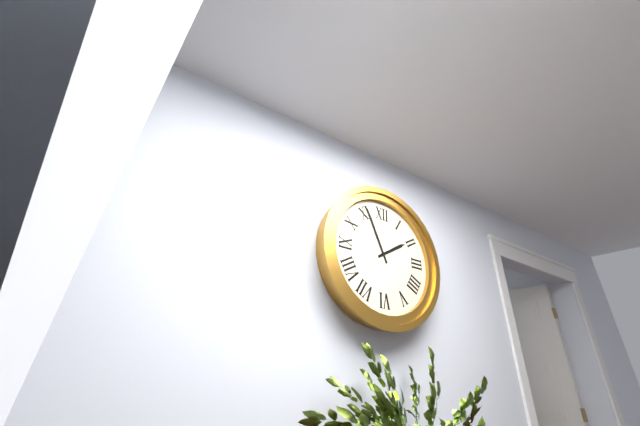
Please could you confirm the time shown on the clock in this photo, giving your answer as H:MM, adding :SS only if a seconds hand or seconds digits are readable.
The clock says 1:56
